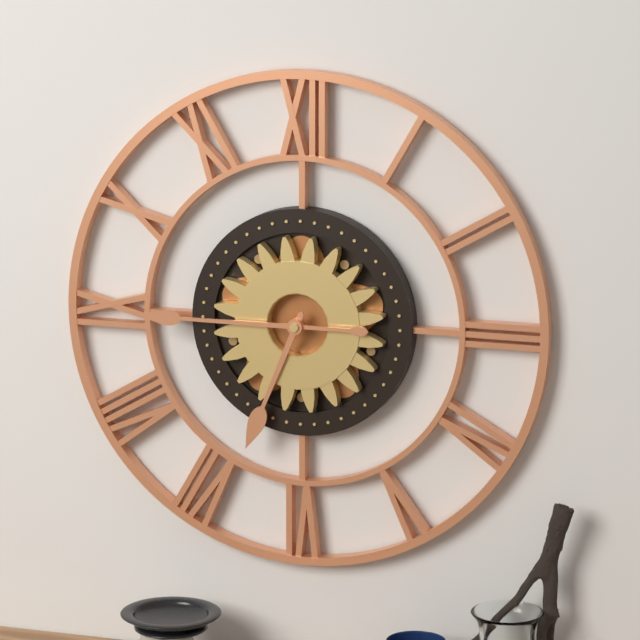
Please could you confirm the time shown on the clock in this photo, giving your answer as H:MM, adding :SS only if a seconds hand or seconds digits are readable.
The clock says 6:45
